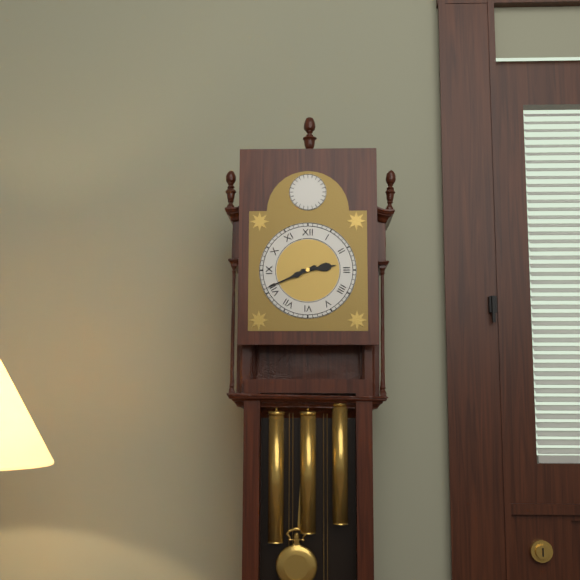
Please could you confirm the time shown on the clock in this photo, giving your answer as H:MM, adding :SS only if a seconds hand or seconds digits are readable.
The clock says 2:41
